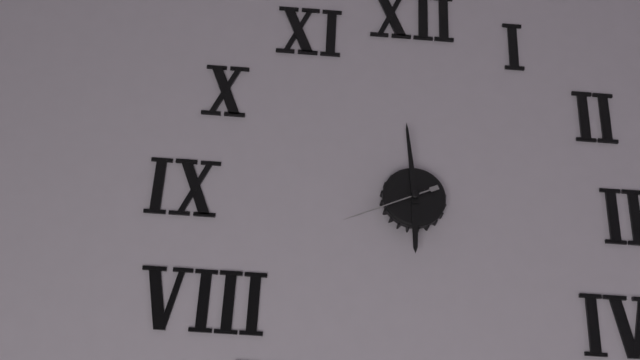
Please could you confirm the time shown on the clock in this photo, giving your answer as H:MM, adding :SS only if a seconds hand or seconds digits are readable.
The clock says 5:59:41
